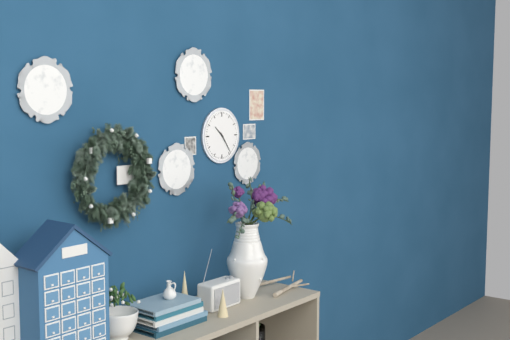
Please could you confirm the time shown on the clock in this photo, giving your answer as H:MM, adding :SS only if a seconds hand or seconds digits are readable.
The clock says 10:24
